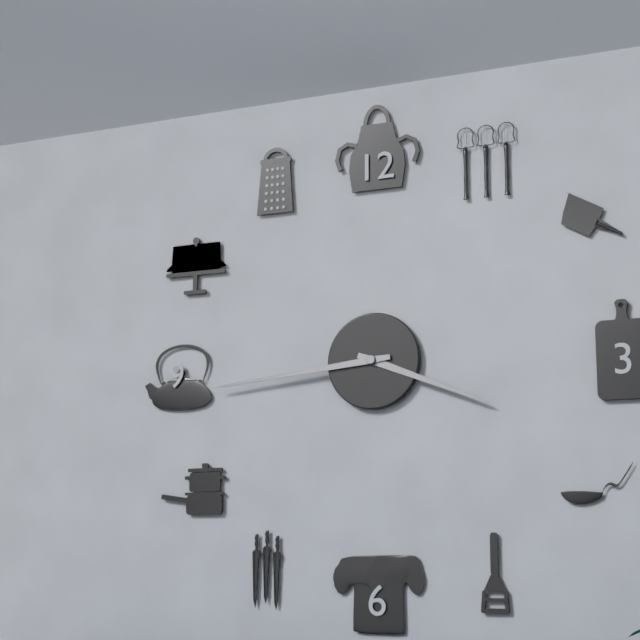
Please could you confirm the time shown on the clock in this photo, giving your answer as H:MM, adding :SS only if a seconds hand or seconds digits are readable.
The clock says 3:44
